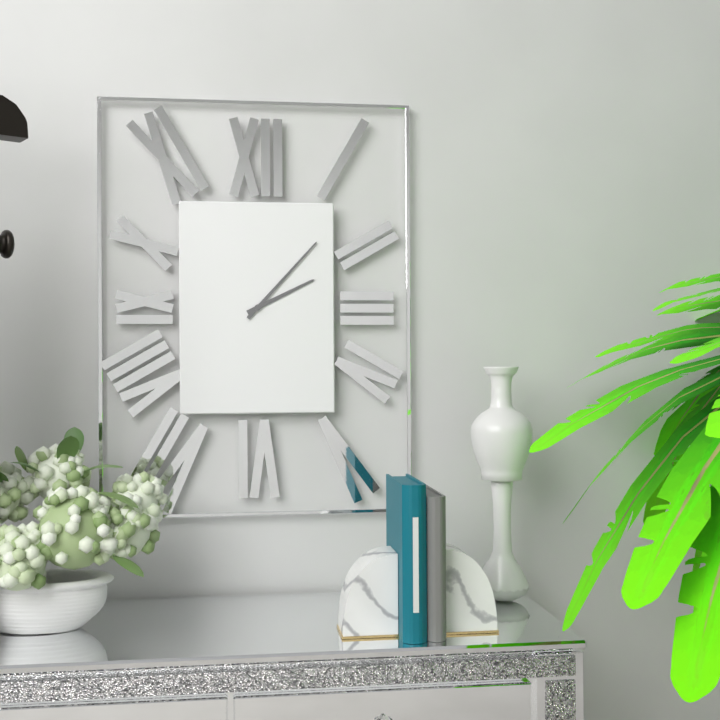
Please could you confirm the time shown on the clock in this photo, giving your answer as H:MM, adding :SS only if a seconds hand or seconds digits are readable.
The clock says 2:07
